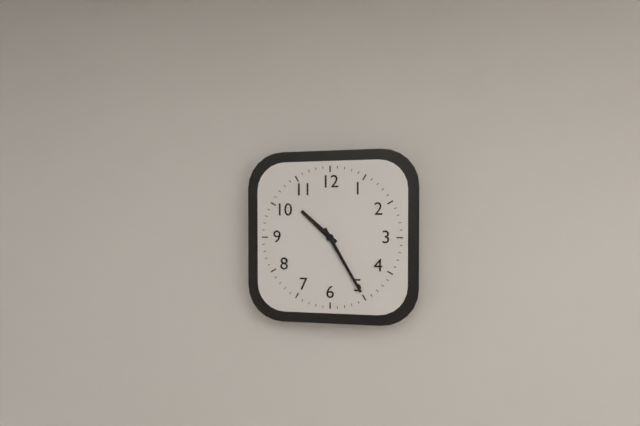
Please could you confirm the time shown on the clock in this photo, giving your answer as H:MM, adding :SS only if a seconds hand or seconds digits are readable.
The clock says 10:25
